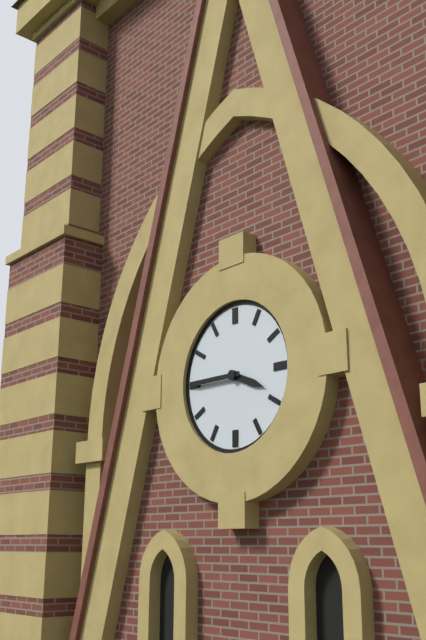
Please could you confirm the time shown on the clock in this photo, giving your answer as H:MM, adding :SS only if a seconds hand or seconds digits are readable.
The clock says 3:45
